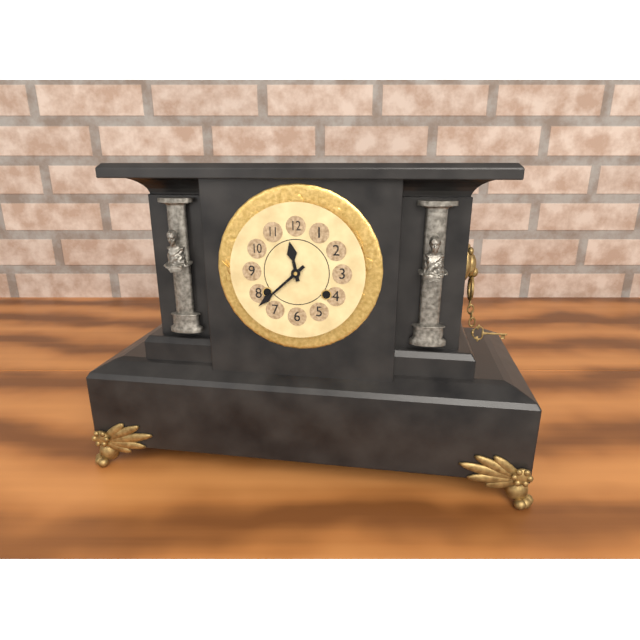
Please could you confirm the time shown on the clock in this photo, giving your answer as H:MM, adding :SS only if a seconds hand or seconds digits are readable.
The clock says 11:38
